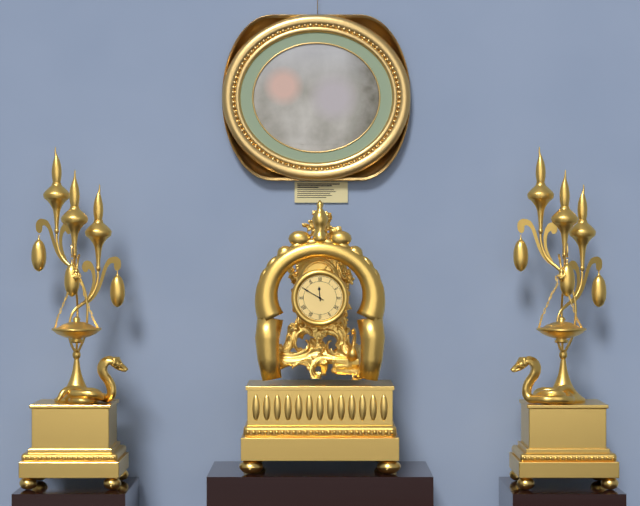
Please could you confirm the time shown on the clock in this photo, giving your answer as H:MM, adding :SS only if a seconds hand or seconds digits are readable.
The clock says 11:50
